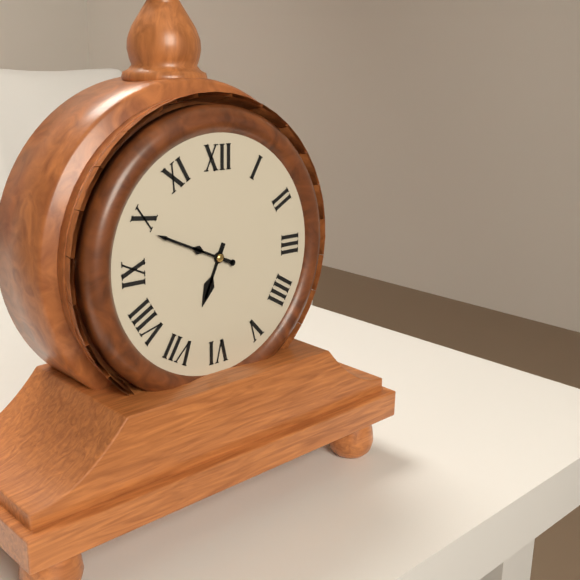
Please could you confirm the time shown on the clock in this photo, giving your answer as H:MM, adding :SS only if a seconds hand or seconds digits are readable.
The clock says 6:49
